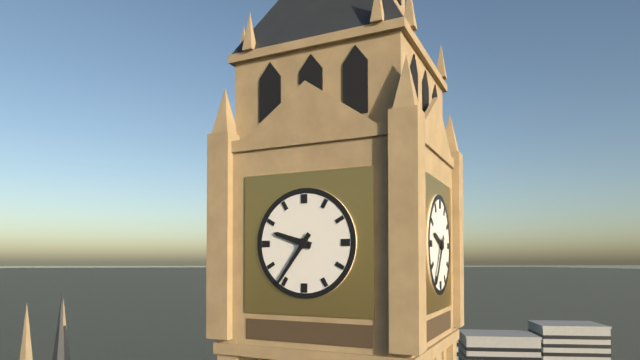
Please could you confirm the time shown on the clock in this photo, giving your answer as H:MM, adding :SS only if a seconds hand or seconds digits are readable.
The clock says 9:36
